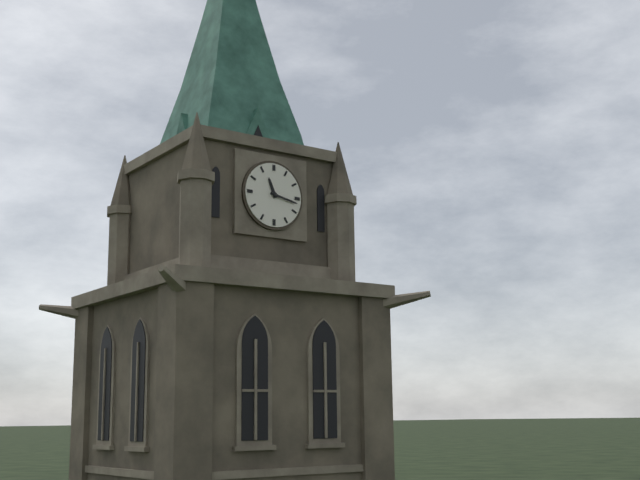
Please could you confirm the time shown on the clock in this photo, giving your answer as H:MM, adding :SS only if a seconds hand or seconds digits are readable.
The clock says 11:17
